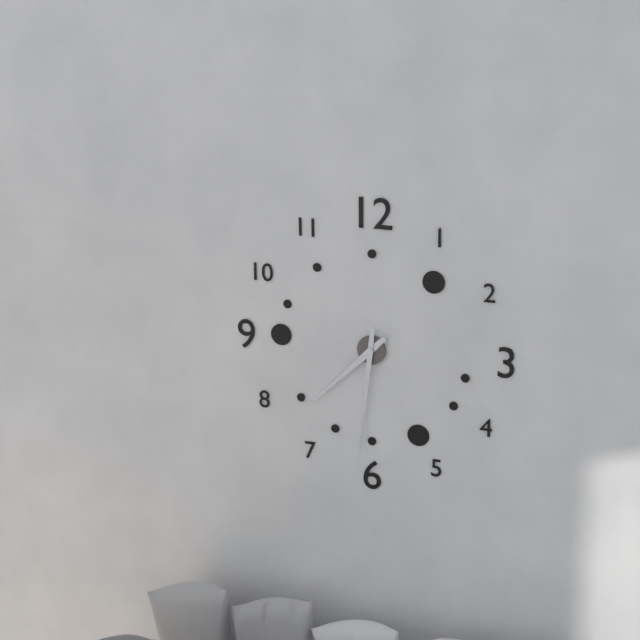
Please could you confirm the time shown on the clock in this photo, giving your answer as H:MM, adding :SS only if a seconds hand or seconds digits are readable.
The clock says 7:31
